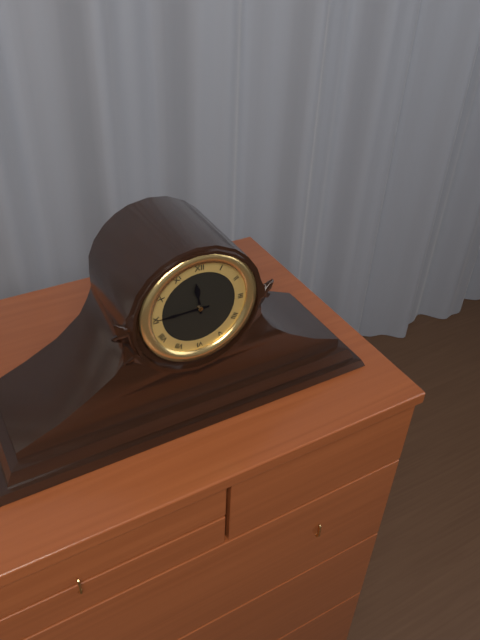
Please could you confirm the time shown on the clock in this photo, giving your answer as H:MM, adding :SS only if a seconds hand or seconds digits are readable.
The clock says 11:45
